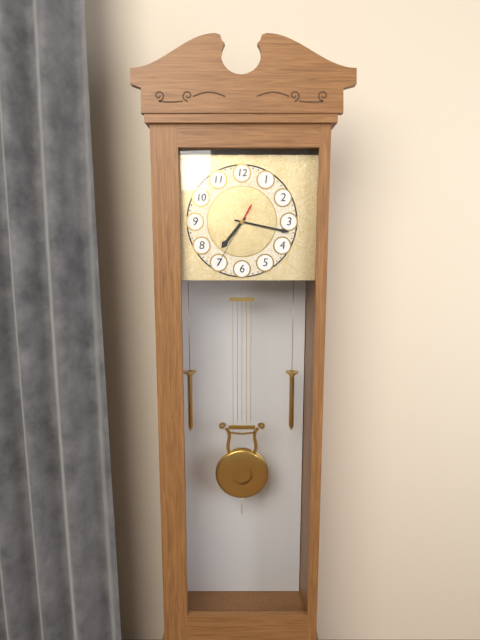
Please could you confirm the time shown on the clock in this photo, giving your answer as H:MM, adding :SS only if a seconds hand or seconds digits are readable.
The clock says 7:17:35
